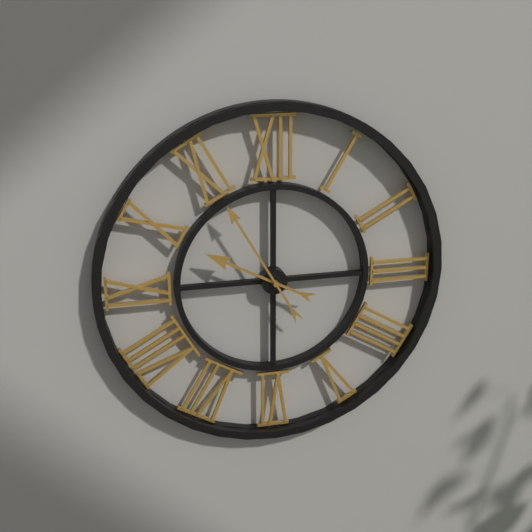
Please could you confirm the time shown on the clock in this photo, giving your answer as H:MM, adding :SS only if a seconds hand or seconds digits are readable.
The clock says 9:55
